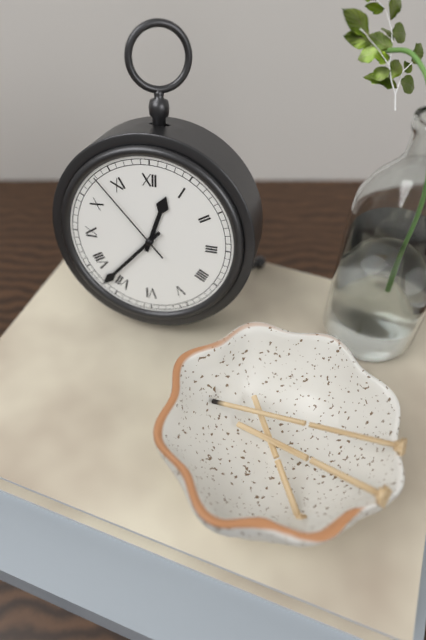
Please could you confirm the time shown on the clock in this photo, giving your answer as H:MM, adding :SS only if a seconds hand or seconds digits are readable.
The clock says 12:37:53
